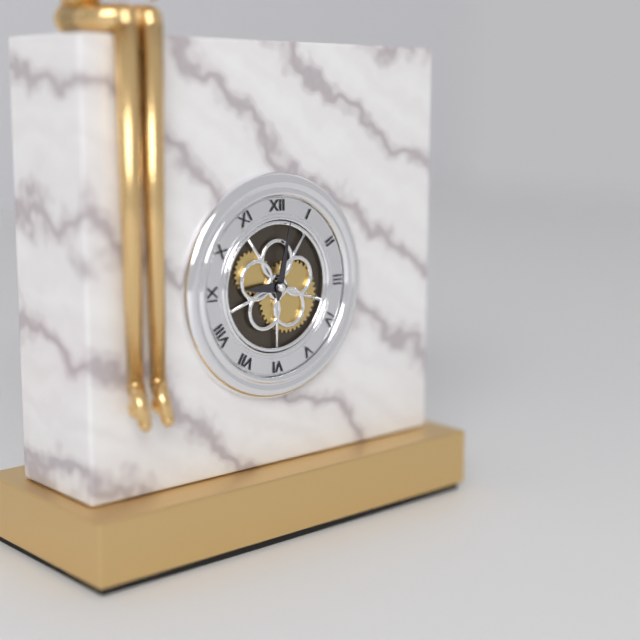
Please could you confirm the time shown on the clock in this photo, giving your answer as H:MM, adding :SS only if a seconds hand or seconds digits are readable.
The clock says 9:02
